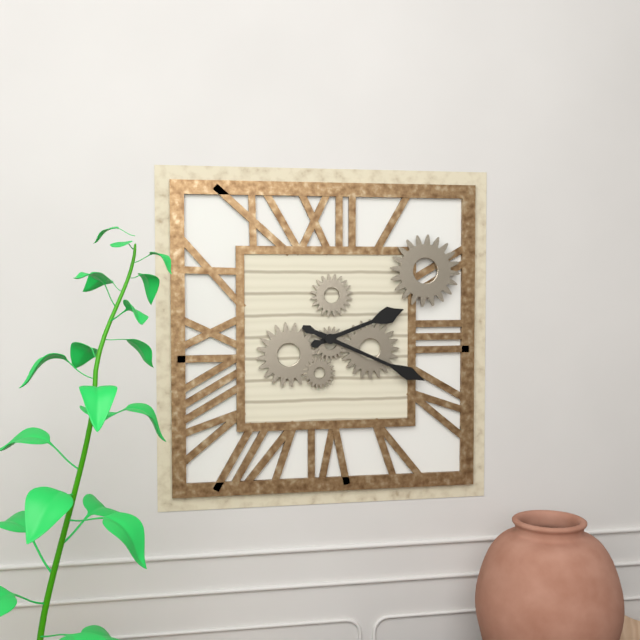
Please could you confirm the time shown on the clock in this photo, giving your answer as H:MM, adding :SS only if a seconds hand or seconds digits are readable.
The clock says 2:19
